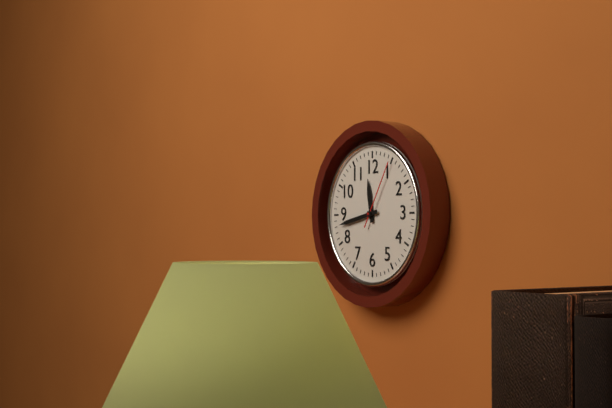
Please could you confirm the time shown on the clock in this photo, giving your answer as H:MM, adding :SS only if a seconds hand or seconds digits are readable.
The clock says 11:43:05
